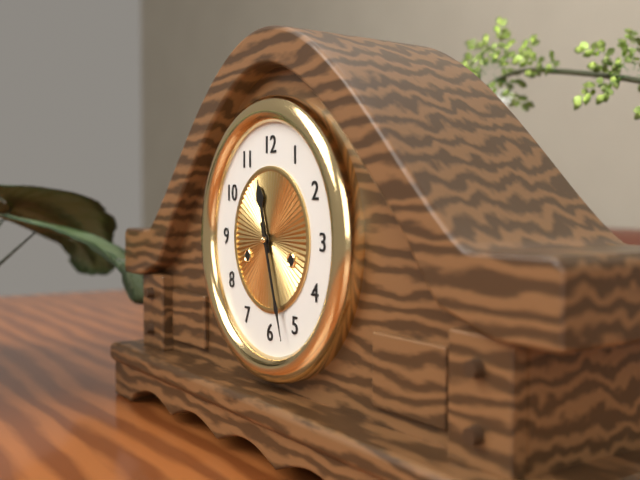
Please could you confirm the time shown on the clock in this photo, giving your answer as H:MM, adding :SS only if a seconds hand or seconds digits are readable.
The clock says 11:27
